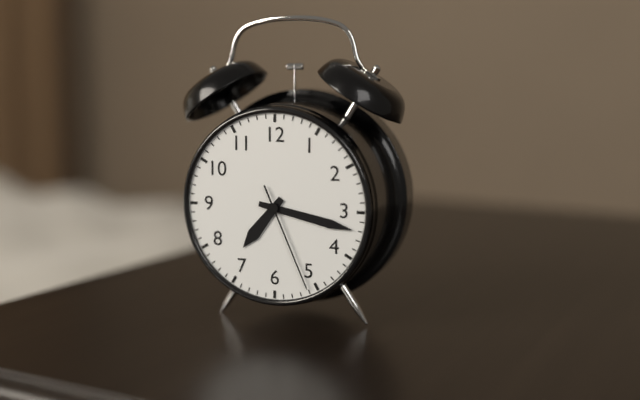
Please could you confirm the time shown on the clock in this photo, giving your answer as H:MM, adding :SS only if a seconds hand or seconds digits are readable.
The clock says 7:17:26
